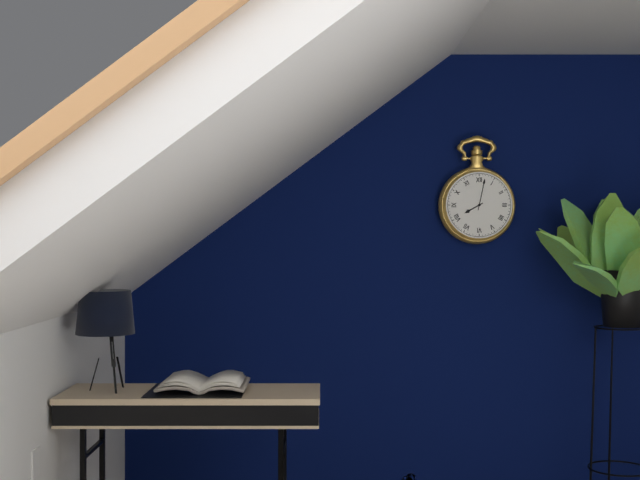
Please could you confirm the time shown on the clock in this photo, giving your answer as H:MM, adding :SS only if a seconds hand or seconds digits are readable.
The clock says 8:02
